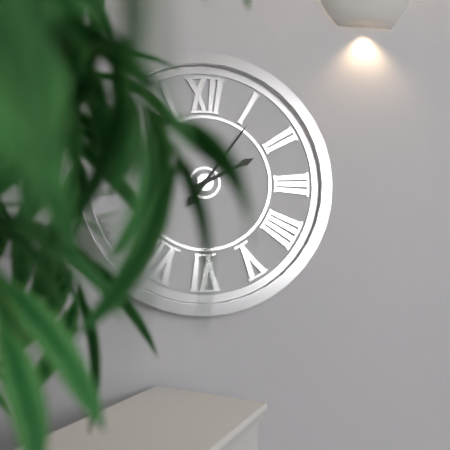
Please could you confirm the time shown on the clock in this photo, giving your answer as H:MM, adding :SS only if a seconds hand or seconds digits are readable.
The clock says 2:06
